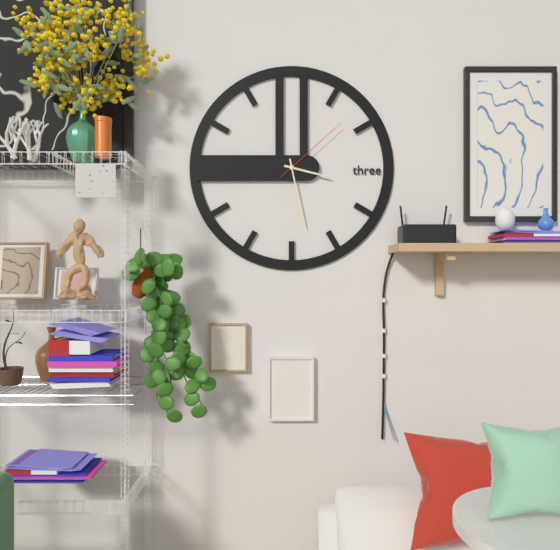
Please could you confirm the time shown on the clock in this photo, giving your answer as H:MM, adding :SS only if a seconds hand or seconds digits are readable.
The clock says 3:28:08
